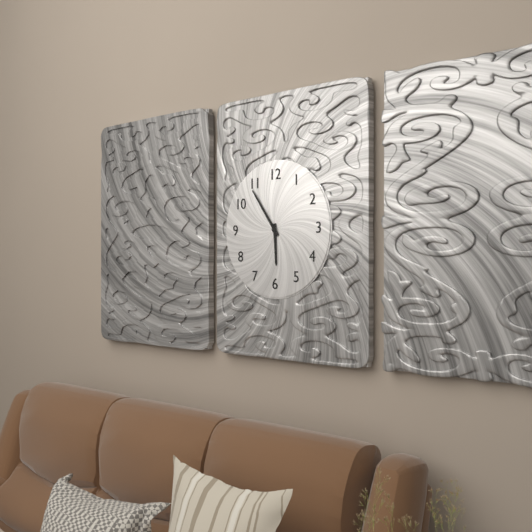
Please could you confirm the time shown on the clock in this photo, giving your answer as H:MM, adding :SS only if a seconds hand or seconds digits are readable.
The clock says 5:54
